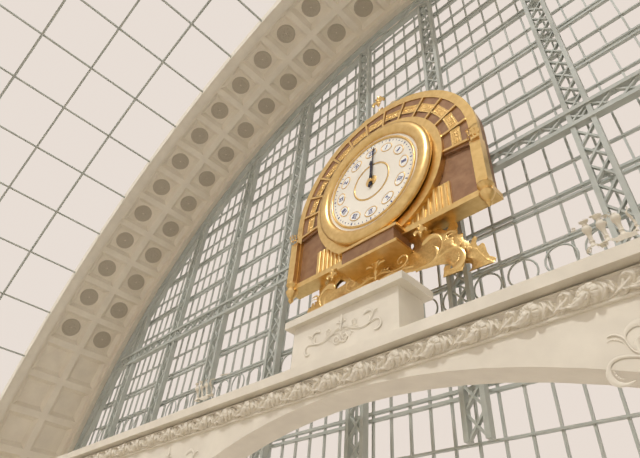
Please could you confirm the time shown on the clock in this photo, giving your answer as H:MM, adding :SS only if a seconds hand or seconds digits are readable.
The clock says 12:01
